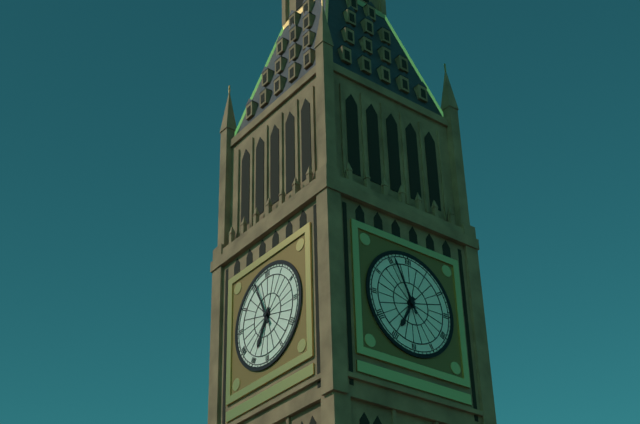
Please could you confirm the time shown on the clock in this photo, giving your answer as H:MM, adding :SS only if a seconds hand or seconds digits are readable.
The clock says 6:56
